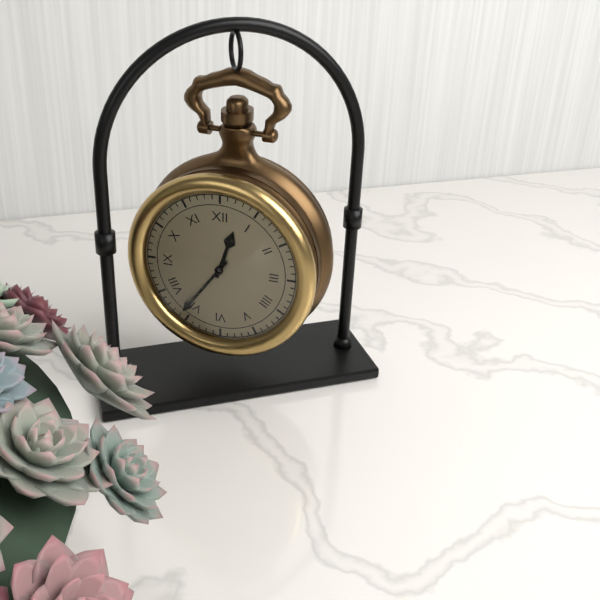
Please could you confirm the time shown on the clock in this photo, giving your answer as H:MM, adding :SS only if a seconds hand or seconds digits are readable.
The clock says 12:36
